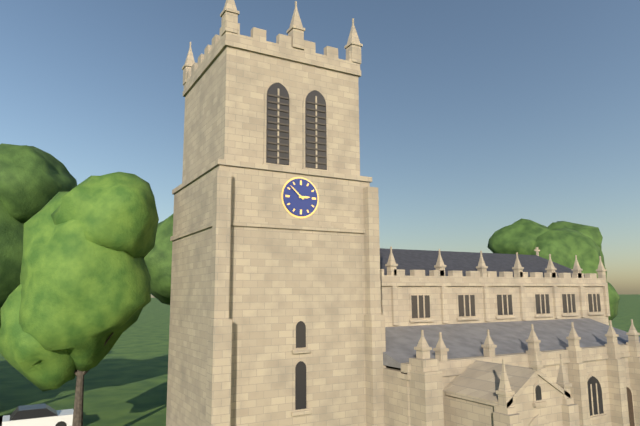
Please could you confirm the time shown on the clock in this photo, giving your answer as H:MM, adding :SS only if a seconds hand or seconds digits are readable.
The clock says 2:52
